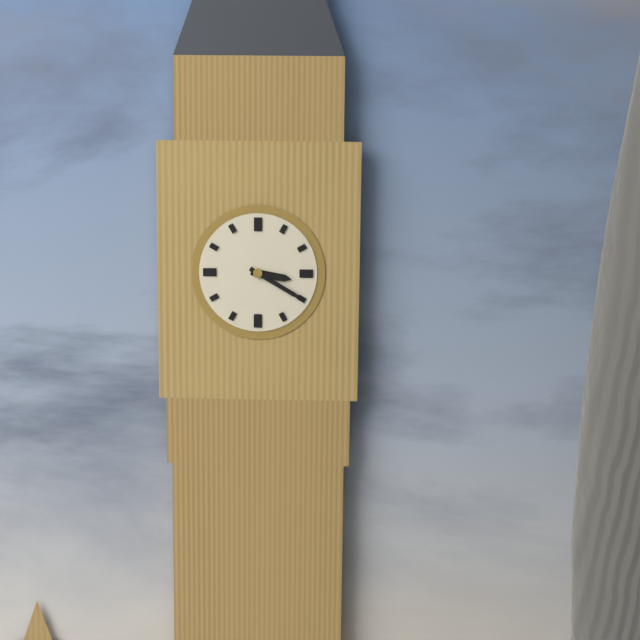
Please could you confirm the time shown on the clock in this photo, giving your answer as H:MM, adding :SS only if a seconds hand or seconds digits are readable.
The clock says 3:20
